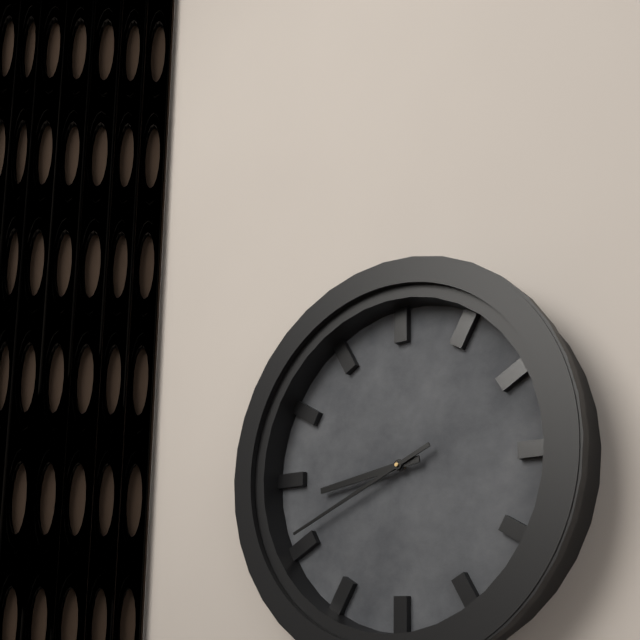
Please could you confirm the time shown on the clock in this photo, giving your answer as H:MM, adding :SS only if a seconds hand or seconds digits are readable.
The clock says 8:41
